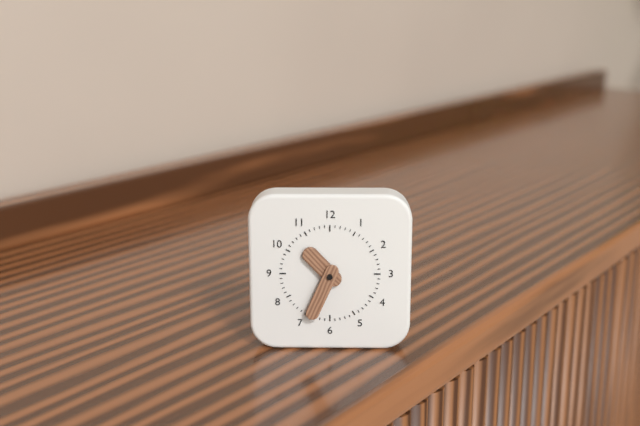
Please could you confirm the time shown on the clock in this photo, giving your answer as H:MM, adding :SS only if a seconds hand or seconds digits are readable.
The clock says 10:34
